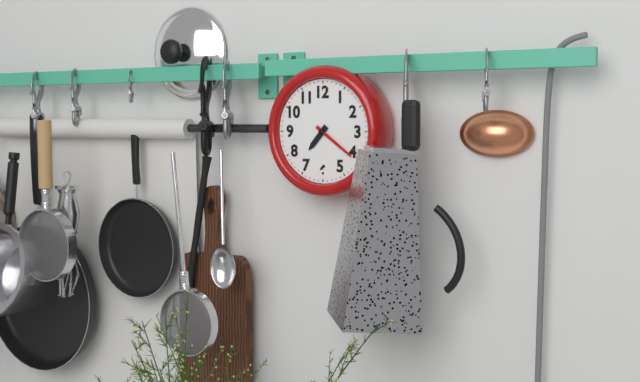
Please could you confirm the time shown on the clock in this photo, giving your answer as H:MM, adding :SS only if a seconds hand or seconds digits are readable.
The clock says 7:21
